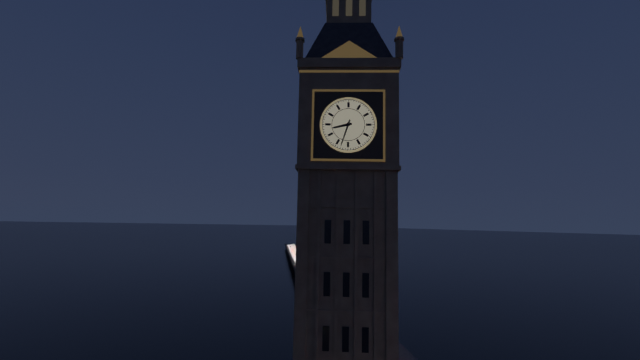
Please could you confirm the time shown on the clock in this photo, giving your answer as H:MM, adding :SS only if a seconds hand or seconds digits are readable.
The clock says 8:33
